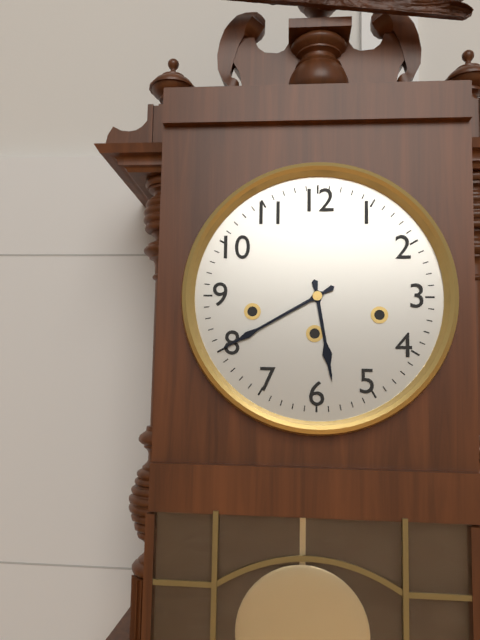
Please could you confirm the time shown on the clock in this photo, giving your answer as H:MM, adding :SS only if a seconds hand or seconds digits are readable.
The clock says 5:40
